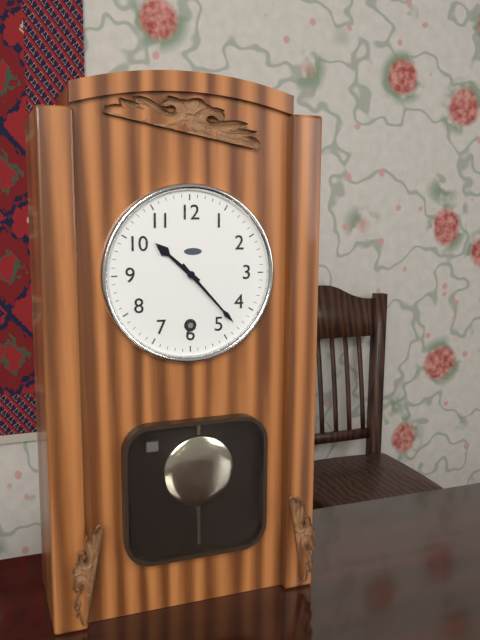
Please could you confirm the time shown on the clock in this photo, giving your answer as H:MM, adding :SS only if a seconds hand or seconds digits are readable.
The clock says 10:23
